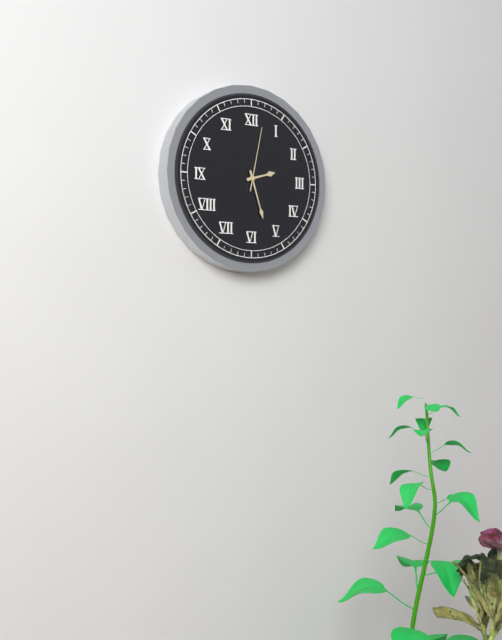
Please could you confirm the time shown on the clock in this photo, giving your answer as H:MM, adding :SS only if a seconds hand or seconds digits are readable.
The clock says 2:27:02
